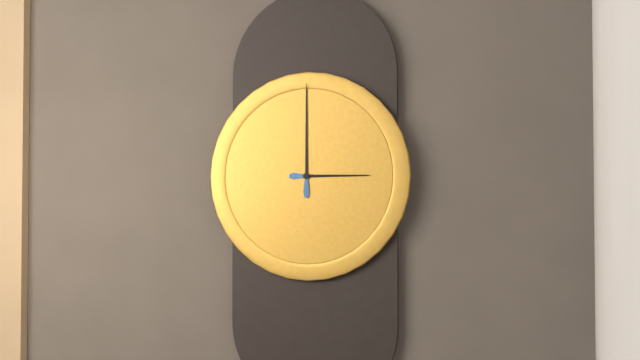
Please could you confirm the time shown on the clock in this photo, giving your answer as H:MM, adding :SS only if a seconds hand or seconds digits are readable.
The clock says 3:00
